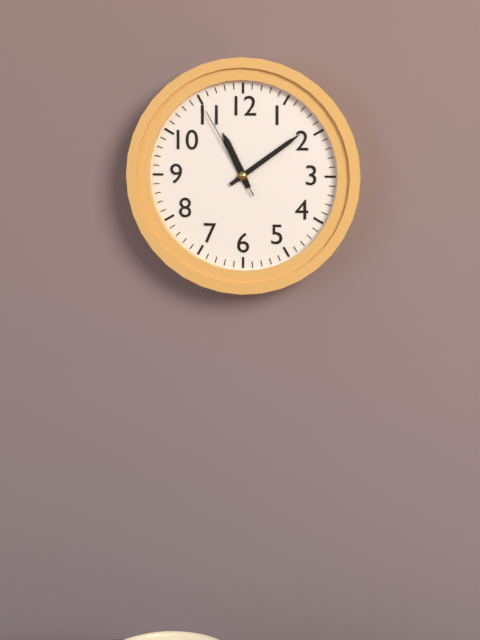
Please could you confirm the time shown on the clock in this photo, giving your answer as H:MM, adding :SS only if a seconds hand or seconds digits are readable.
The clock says 11:09:55
